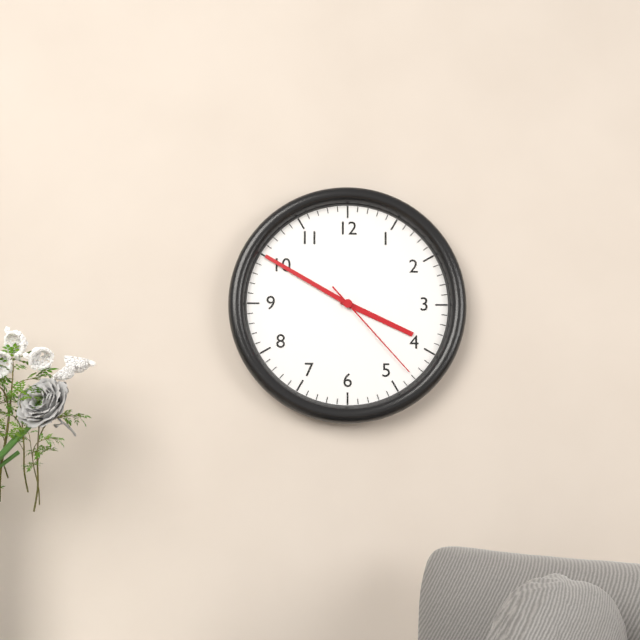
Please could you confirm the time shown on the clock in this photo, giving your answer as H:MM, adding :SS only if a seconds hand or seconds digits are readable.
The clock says 3:50:23
